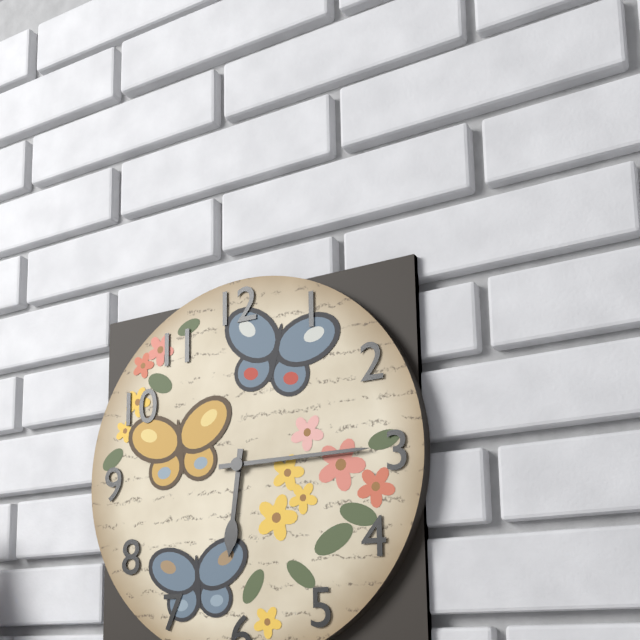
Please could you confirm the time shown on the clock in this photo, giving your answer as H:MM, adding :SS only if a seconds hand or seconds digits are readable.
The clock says 6:15
